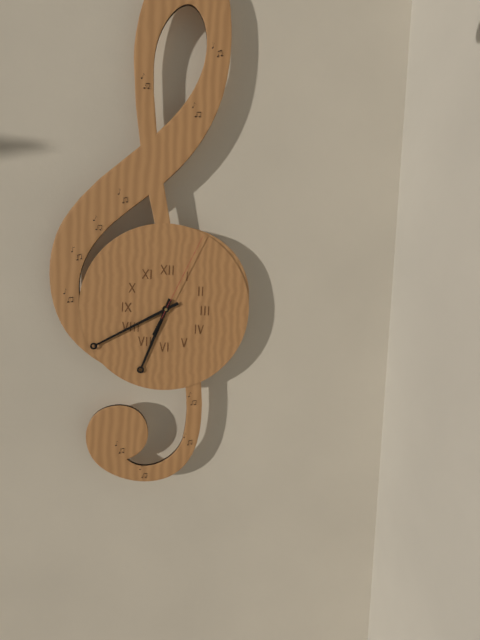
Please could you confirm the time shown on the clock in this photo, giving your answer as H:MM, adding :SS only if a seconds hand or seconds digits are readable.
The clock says 6:40:04
